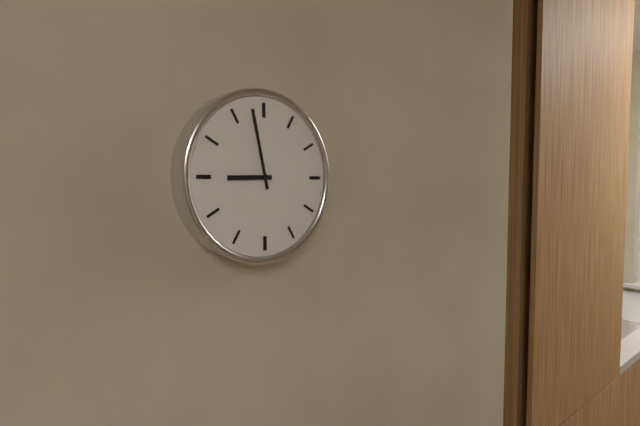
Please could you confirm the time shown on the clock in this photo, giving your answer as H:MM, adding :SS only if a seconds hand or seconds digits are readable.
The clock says 8:58
